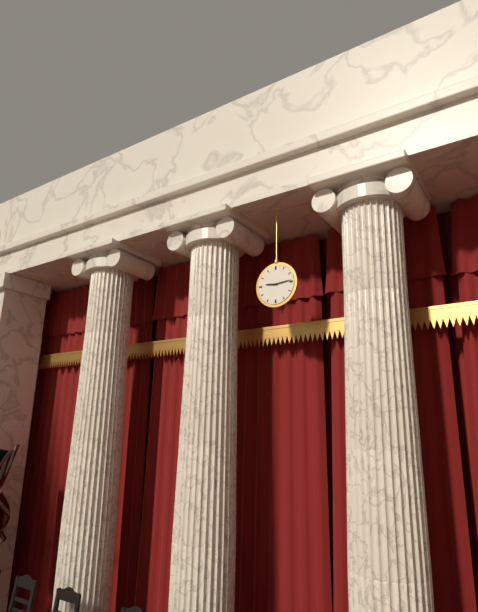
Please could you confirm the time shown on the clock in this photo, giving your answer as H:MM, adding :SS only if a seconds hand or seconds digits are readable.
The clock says 9:14
